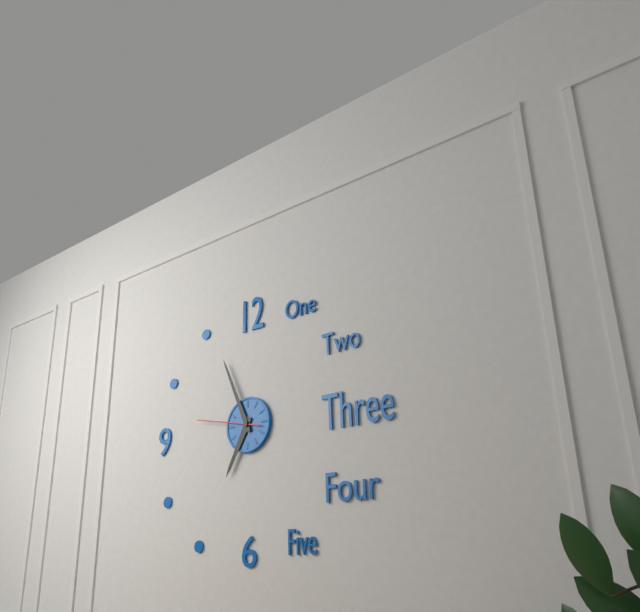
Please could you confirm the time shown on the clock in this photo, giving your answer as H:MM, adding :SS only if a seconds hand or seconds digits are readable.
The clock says 6:56:47
